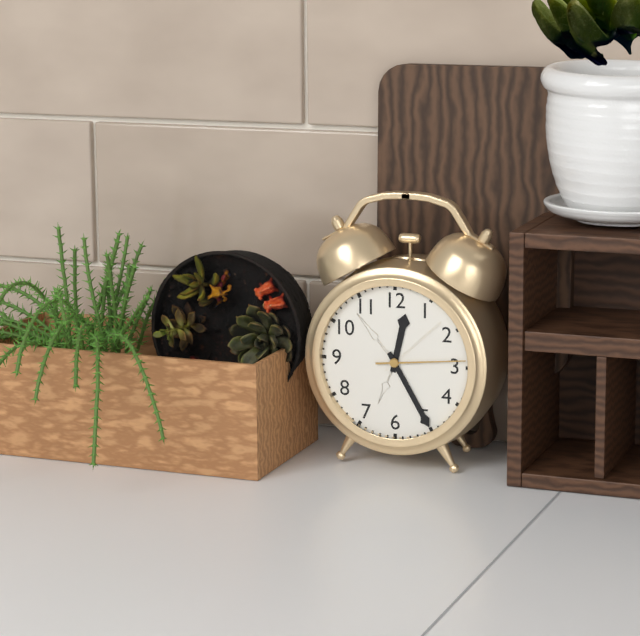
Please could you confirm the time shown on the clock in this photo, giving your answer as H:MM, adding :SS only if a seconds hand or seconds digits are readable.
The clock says 12:25:14
